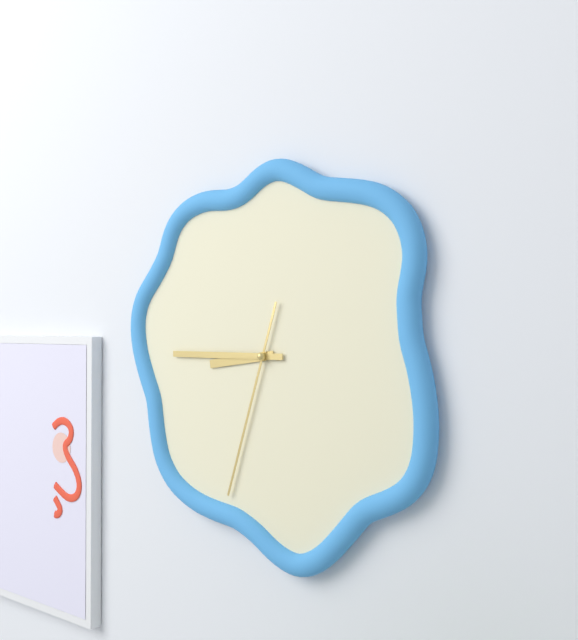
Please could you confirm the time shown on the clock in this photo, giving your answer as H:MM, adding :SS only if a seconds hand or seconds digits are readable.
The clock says 8:45:33
